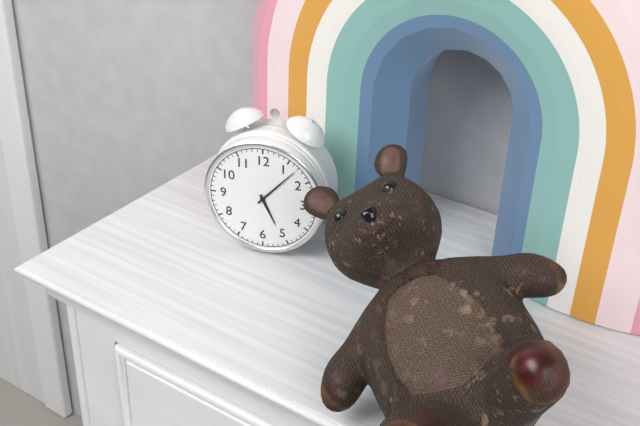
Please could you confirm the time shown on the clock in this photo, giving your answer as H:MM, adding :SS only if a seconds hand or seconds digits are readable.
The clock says 5:07
